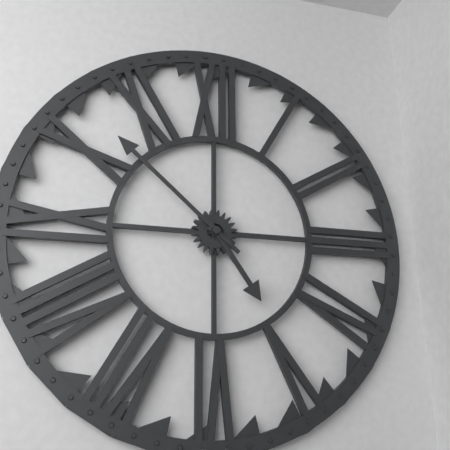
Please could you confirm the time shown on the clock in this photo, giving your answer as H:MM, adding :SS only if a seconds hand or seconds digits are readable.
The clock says 4:52
